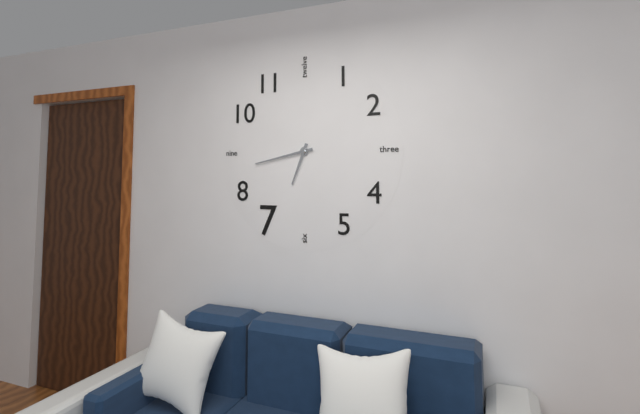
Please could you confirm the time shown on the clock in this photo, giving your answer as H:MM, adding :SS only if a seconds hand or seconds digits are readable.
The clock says 6:43
